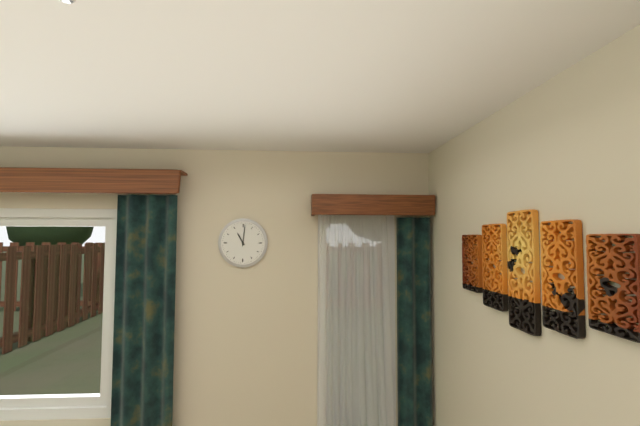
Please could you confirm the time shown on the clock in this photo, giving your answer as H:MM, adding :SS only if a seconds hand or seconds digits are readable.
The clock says 11:01
